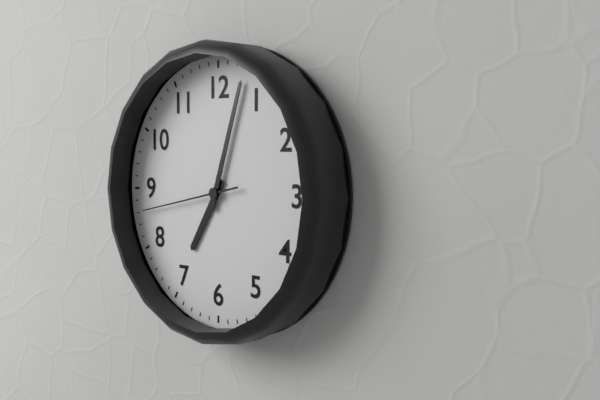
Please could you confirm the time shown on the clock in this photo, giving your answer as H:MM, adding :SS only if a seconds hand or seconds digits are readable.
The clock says 7:03:43
